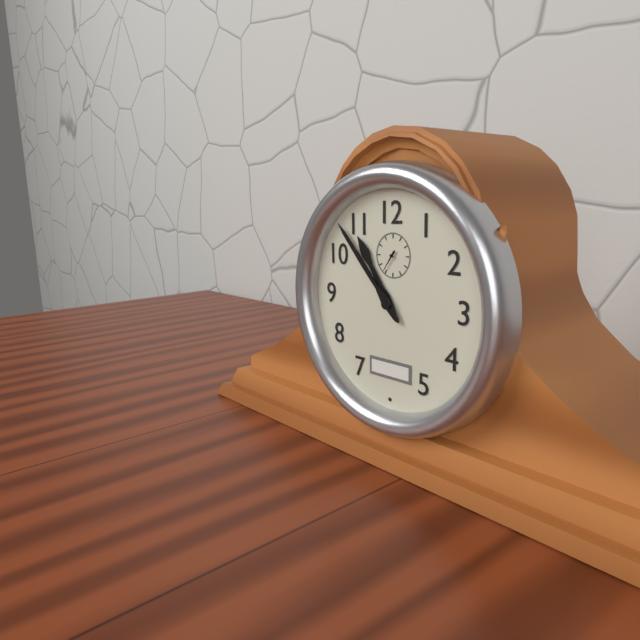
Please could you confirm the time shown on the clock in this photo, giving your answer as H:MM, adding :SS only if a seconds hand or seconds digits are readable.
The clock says 10:53
